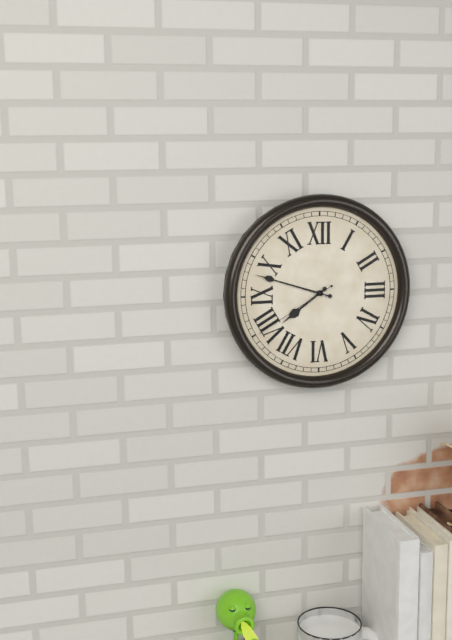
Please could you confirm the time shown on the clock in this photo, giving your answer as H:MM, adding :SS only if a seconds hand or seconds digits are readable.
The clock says 7:48:40
